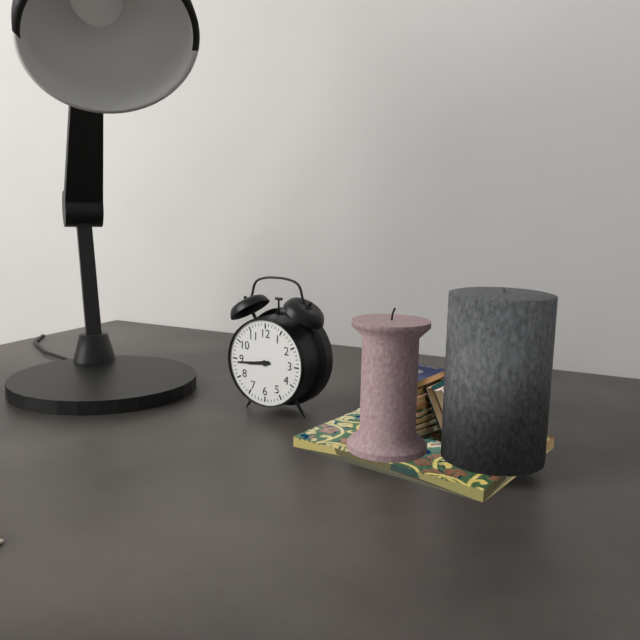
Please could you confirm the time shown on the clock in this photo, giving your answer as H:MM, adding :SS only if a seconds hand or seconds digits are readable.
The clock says 8:44
